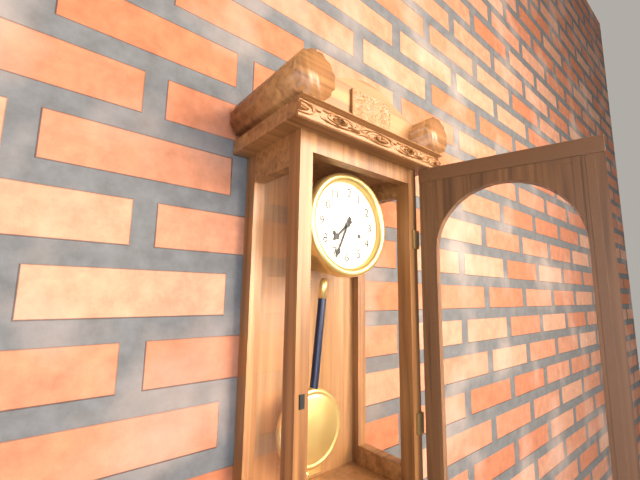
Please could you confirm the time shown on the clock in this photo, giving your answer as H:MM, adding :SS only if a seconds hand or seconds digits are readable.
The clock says 7:34
